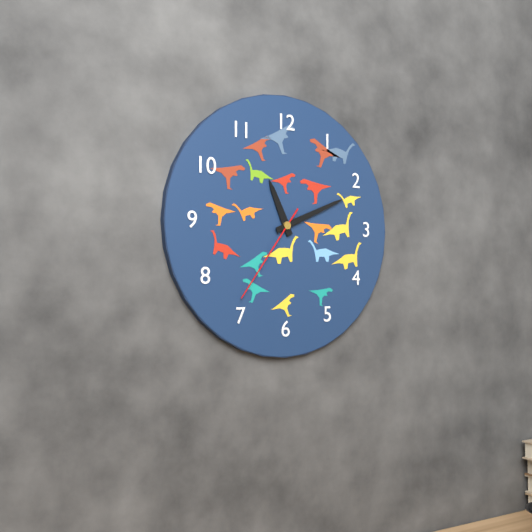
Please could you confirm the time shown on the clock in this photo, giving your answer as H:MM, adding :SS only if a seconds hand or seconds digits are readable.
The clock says 11:11:36
